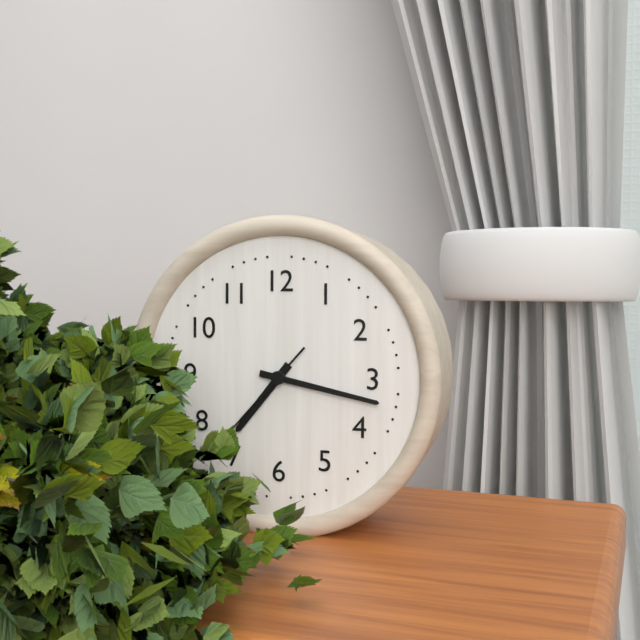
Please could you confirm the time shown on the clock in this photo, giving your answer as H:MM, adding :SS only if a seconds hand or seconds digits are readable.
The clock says 7:17:37
